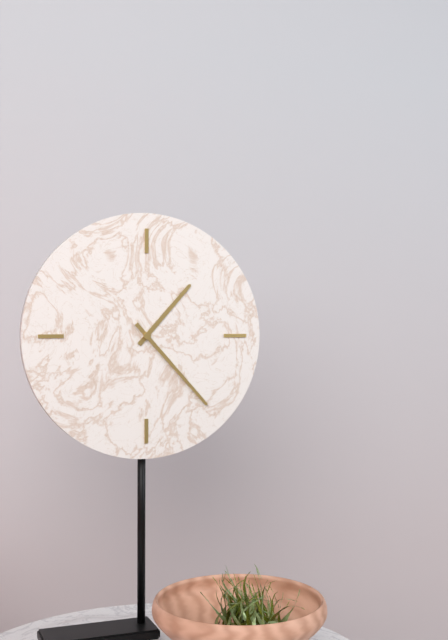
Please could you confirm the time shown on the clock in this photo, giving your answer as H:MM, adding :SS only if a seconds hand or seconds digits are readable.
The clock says 1:23
